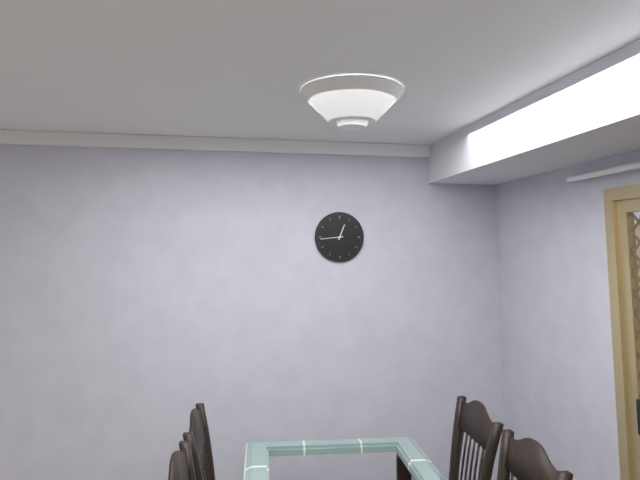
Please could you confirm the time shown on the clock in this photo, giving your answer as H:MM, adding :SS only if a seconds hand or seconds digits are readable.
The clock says 12:44
